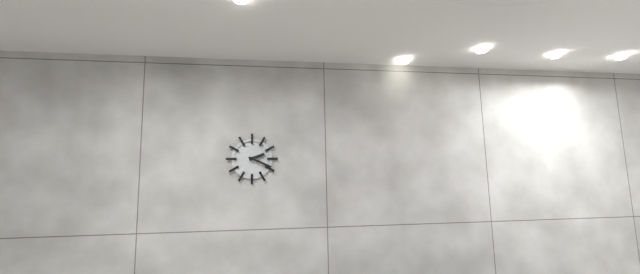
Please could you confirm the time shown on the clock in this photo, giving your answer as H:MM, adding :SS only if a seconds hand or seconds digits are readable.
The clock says 2:19
